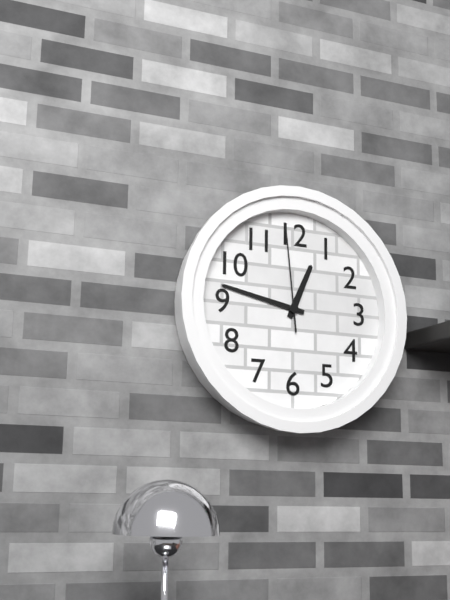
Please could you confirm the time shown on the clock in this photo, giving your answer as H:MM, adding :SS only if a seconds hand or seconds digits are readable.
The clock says 12:47:59
